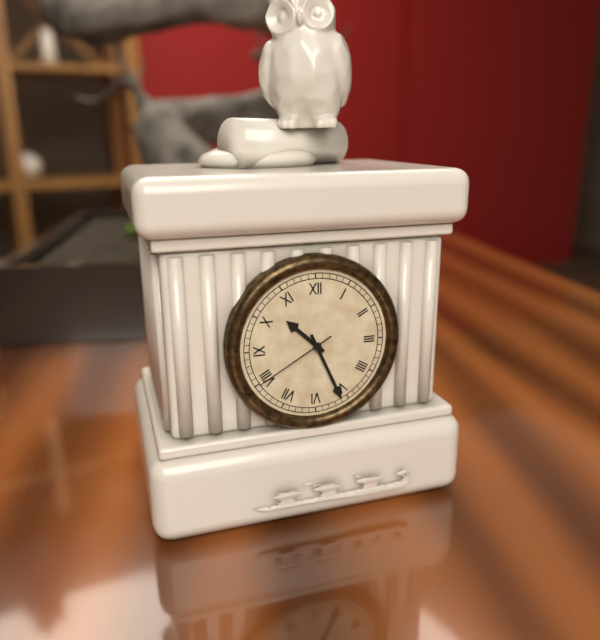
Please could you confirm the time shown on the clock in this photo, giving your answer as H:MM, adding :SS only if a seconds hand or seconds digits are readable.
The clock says 10:26:40
